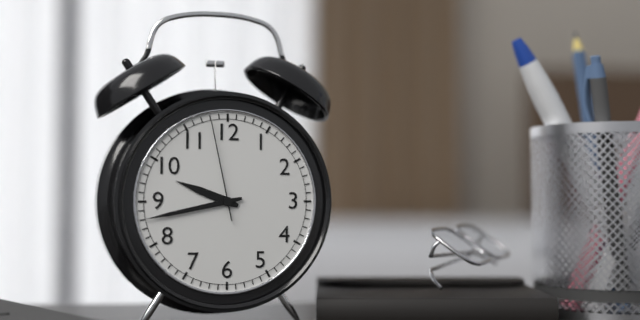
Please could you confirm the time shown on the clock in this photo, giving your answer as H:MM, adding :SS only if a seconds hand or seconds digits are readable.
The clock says 9:43:58
